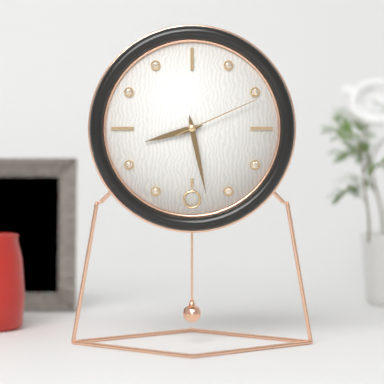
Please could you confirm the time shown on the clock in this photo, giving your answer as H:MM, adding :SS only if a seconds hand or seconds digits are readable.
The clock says 8:28:11
